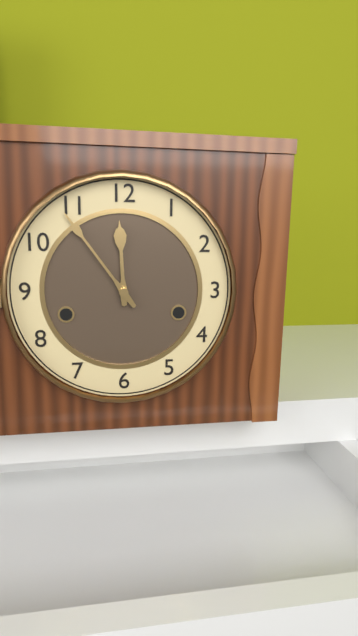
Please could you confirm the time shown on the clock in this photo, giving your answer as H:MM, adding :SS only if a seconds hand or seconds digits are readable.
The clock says 11:54
